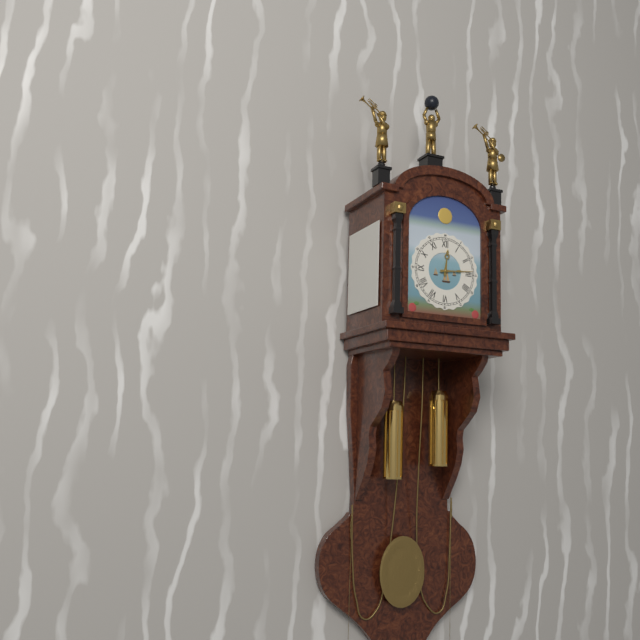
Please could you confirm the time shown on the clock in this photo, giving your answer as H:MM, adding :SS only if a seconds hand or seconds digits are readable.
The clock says 12:14
